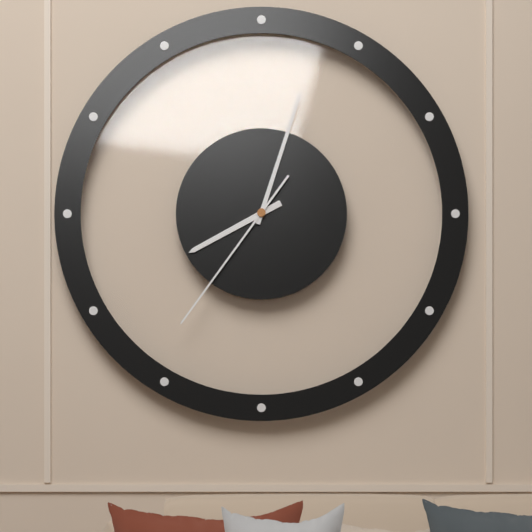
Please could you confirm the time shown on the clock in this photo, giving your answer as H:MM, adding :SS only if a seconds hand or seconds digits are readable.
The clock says 8:03:36
